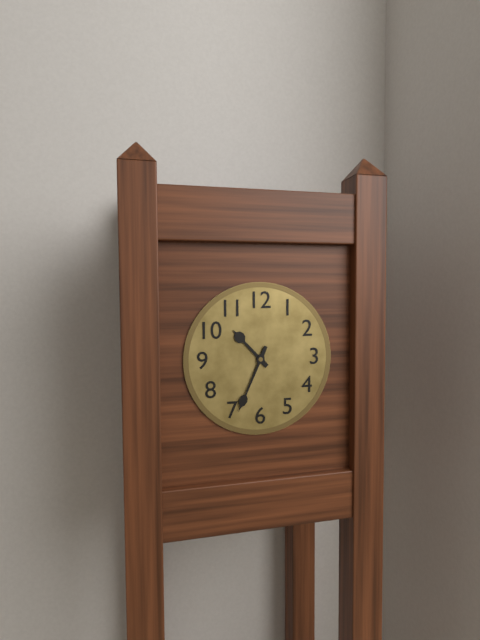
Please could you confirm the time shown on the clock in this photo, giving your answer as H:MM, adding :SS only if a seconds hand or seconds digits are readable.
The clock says 10:34
